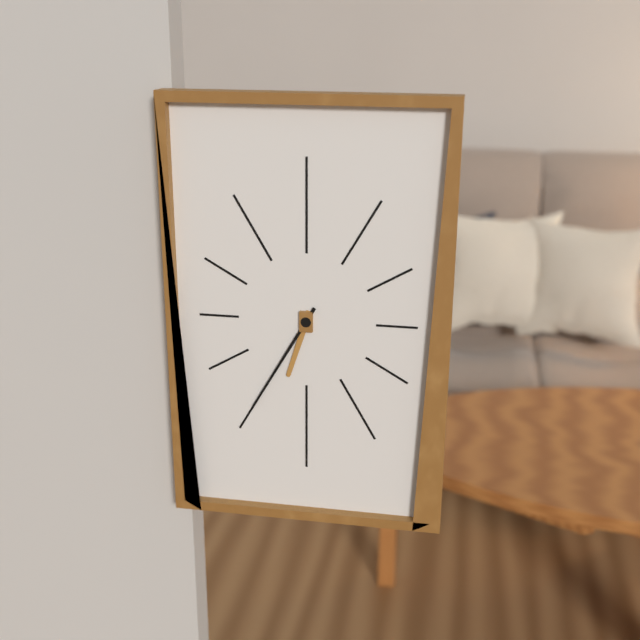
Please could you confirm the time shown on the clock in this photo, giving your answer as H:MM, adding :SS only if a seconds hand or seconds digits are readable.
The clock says 6:35
